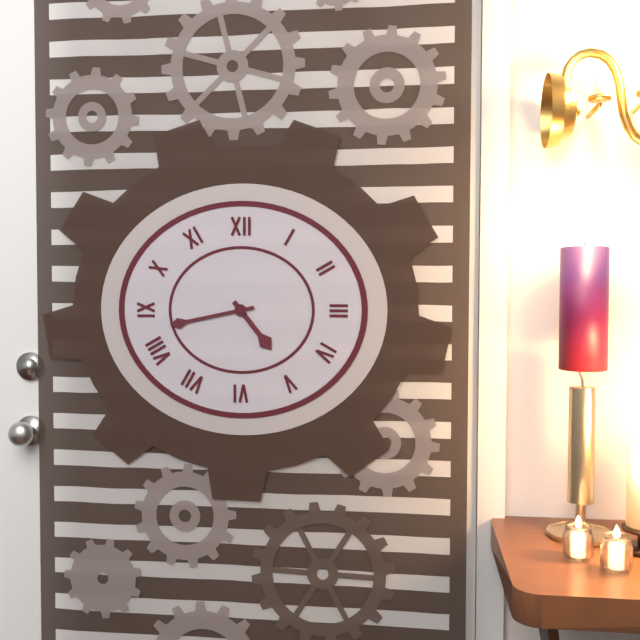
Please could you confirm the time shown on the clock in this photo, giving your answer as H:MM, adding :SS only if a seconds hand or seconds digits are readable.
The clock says 4:43
